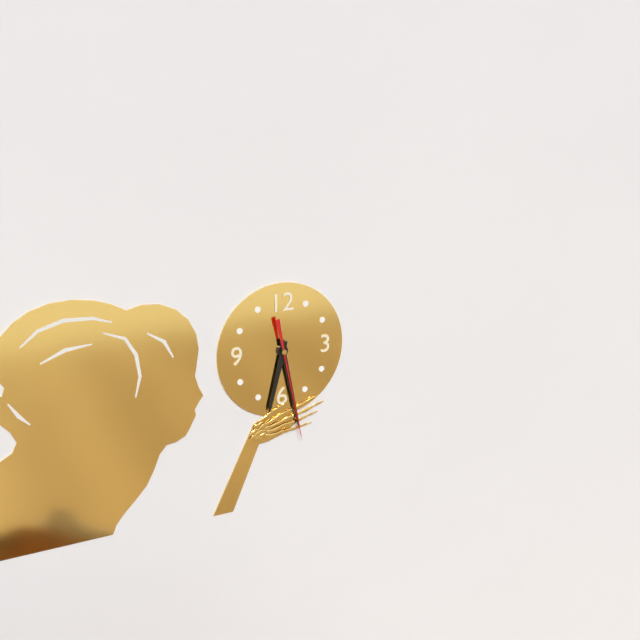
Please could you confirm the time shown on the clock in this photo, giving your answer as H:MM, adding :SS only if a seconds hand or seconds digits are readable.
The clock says 6:28:28
